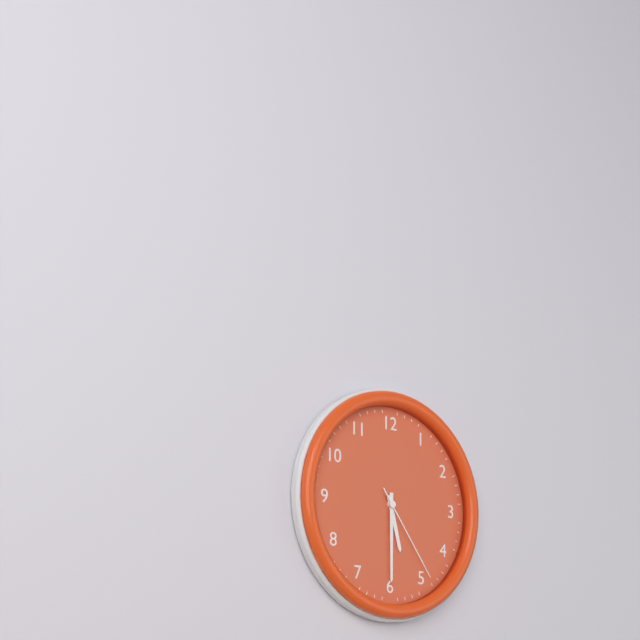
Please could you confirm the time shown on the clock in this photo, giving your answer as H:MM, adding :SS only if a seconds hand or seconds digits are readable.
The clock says 5:30:24
